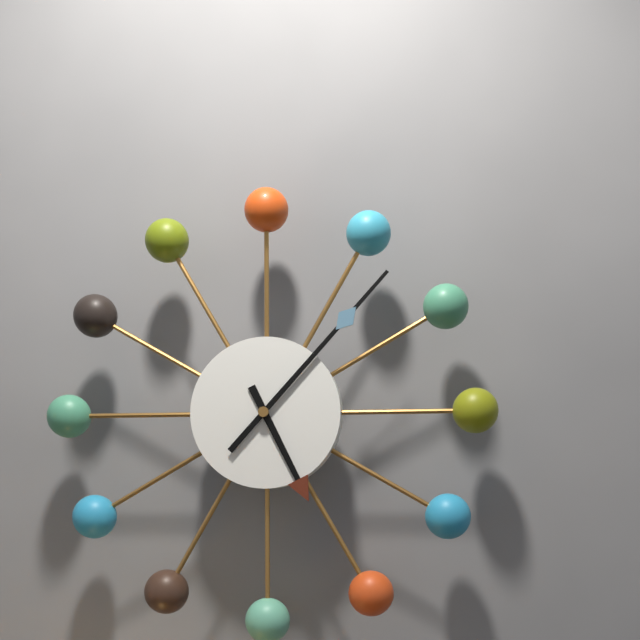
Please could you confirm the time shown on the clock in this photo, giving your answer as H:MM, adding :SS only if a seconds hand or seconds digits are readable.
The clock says 5:07
